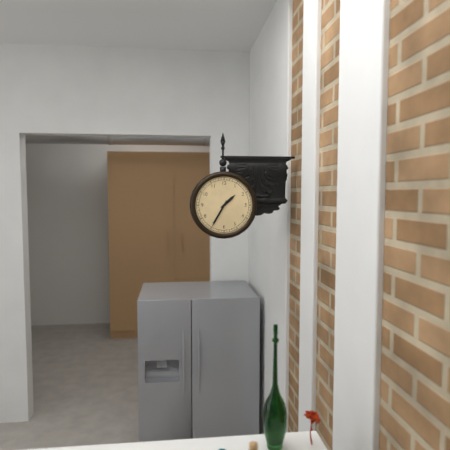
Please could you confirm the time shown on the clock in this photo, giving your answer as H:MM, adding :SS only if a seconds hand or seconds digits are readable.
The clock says 1:35
